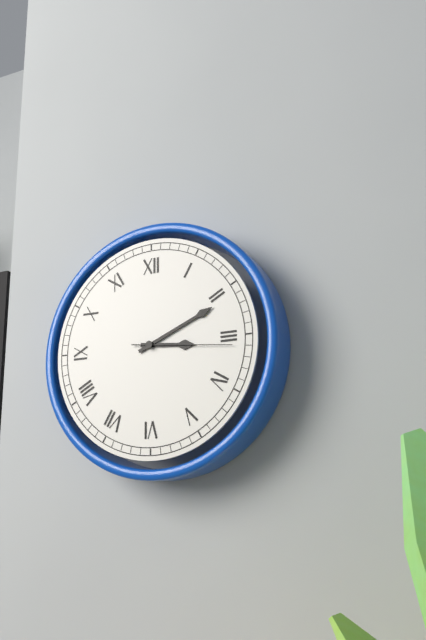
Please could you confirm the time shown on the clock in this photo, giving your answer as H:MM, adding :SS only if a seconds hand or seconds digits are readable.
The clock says 3:11:16
